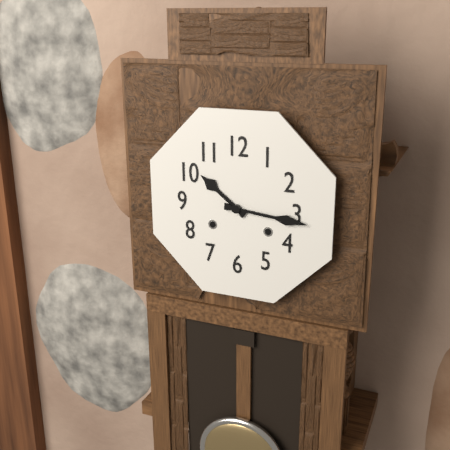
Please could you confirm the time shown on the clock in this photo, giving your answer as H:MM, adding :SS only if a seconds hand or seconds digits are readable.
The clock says 10:16
